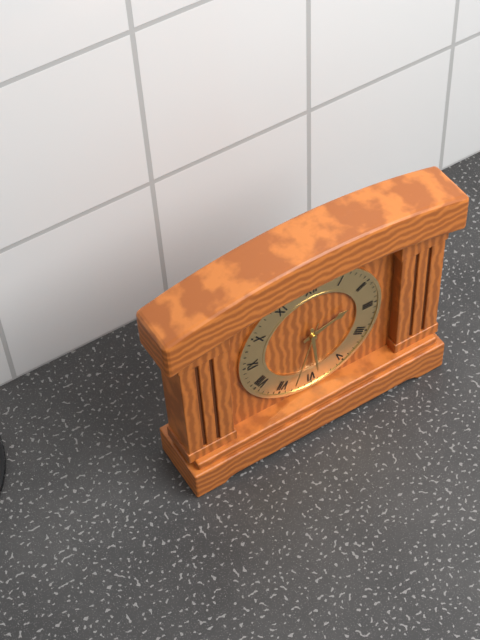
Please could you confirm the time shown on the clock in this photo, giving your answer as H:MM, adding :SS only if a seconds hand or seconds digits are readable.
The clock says 2:29:33
